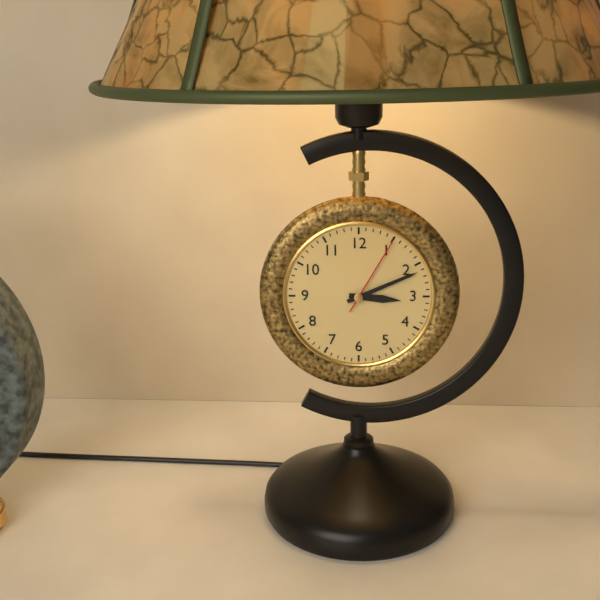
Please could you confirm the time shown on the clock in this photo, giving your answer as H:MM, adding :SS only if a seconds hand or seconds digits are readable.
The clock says 3:11:05
